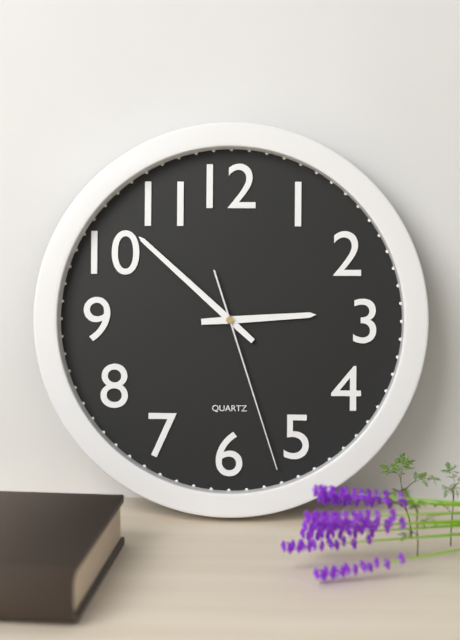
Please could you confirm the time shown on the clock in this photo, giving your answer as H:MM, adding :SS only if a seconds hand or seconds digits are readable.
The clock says 2:52:27
